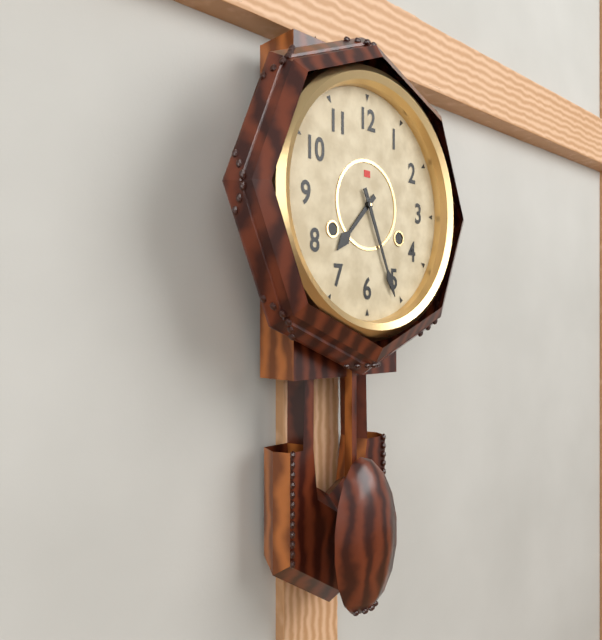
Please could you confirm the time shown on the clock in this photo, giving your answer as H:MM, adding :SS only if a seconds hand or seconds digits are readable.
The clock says 7:26
